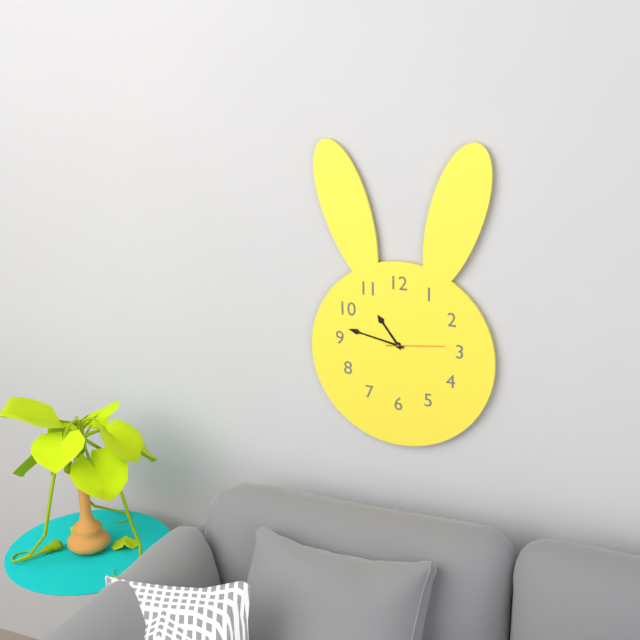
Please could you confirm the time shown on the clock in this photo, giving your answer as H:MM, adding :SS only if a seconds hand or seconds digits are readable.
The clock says 10:47:14
